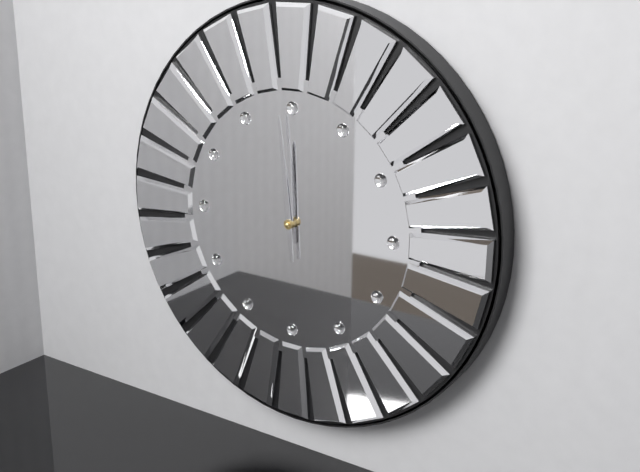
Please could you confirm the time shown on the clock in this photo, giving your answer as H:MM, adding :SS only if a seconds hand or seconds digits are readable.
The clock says 11:59
